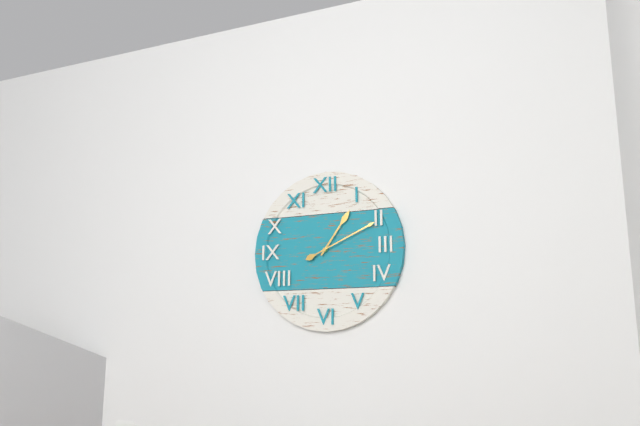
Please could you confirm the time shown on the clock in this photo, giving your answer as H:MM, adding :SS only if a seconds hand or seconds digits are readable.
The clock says 1:11
